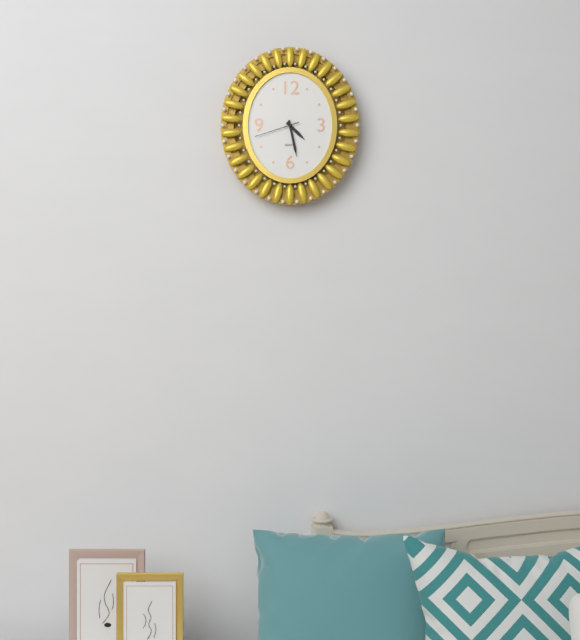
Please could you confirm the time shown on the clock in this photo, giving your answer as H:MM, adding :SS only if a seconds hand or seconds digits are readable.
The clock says 4:28
